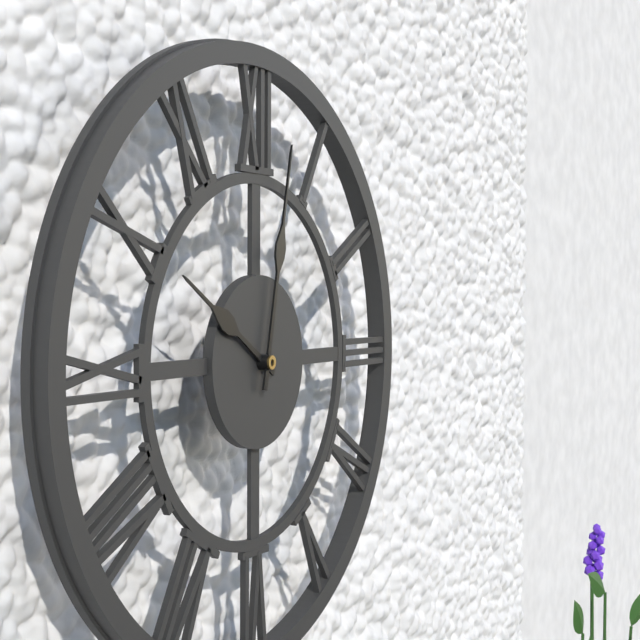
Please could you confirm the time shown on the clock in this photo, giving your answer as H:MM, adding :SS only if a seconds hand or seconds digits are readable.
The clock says 10:02
